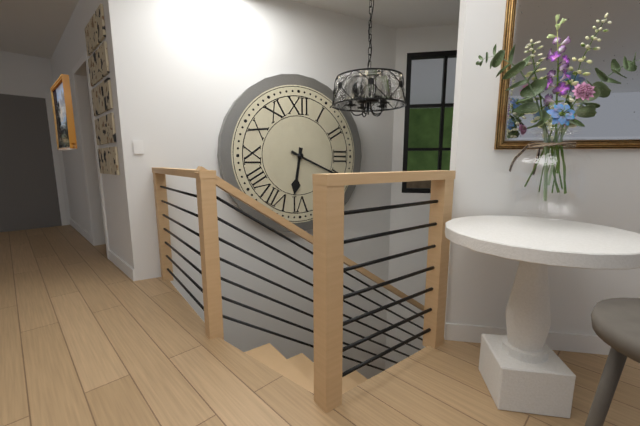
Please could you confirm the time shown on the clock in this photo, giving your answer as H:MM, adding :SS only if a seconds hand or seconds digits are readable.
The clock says 6:19
